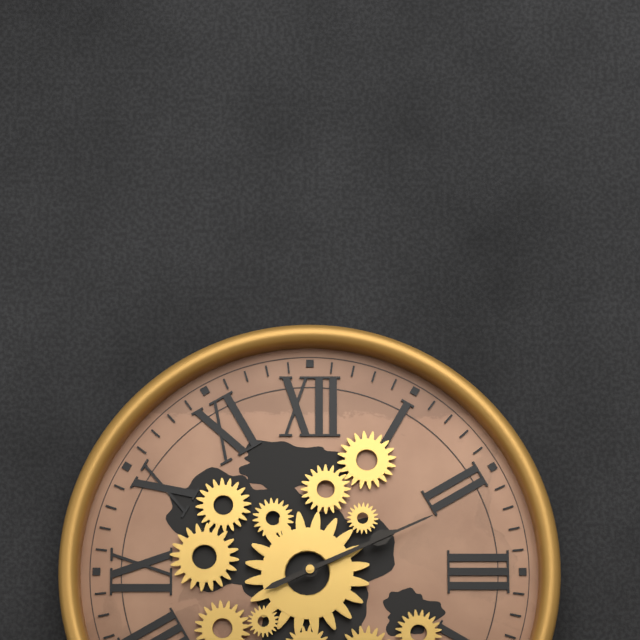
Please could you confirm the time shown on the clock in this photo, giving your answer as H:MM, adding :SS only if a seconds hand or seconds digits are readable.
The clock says 2:11
